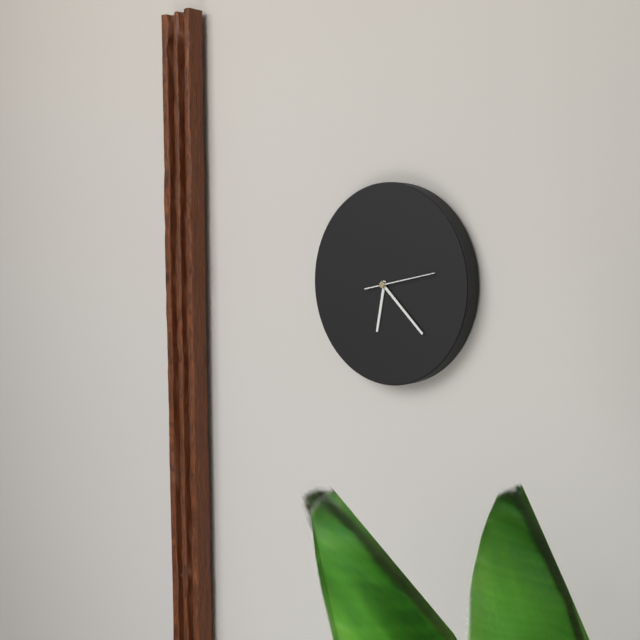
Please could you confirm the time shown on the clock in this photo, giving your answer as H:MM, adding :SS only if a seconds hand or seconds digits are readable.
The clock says 6:22:13
